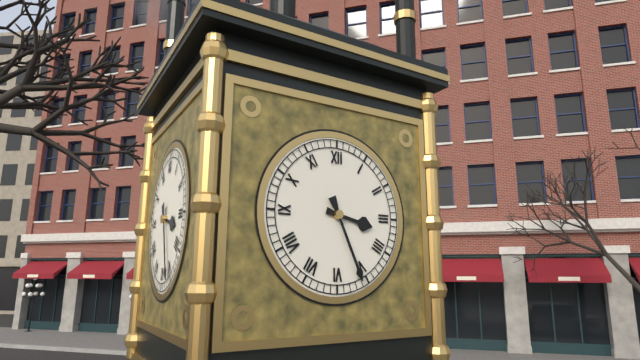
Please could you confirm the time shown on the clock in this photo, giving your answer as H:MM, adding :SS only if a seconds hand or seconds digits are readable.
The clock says 3:26
